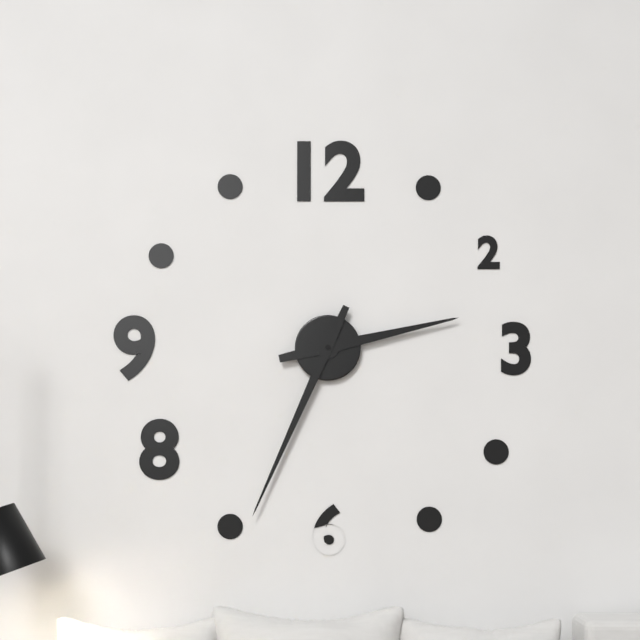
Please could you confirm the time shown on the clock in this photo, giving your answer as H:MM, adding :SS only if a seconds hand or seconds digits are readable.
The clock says 2:34
